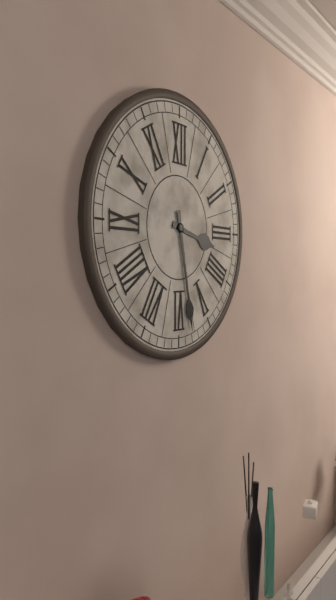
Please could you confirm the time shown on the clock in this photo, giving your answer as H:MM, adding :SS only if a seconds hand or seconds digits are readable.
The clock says 3:28
